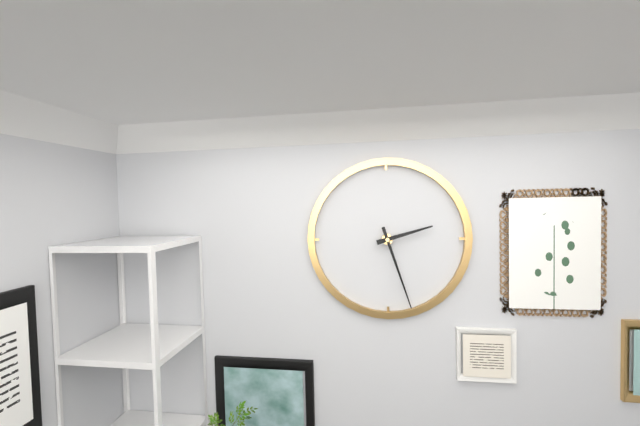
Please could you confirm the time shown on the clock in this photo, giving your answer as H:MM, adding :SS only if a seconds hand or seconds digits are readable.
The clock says 2:27
